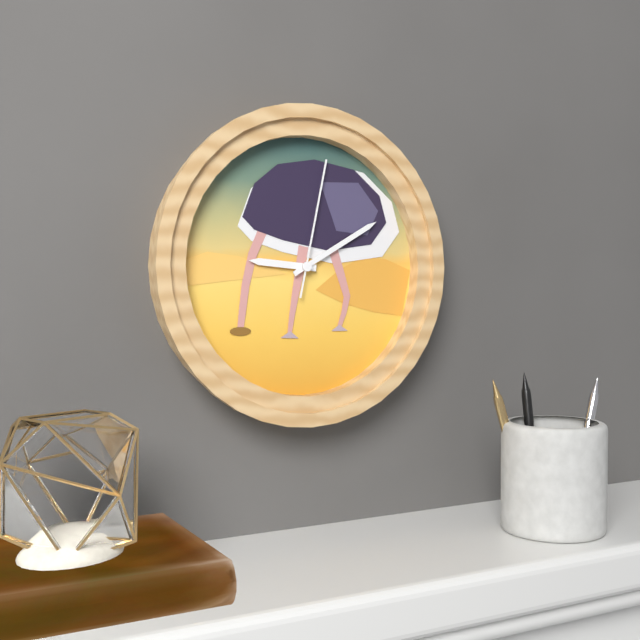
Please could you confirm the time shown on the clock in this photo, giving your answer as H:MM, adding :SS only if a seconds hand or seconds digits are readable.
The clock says 9:10:02
